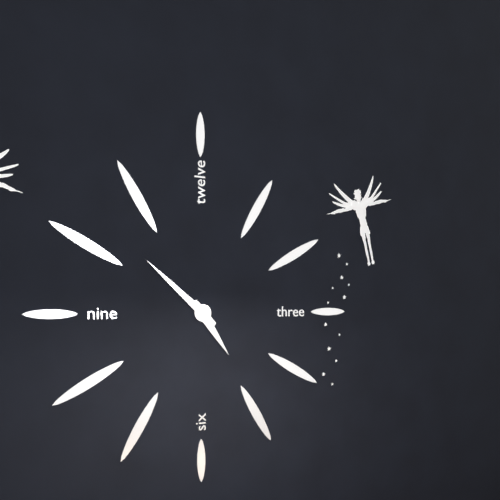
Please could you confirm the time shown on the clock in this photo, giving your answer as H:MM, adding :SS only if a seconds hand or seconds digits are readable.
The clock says 4:52
